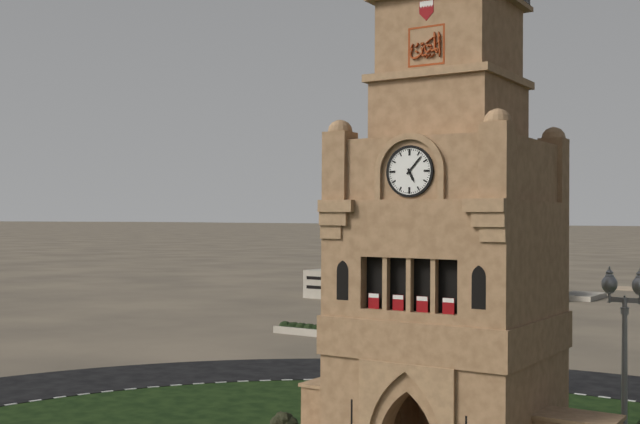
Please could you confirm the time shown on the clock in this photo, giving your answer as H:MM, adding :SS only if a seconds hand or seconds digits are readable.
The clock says 5:07
